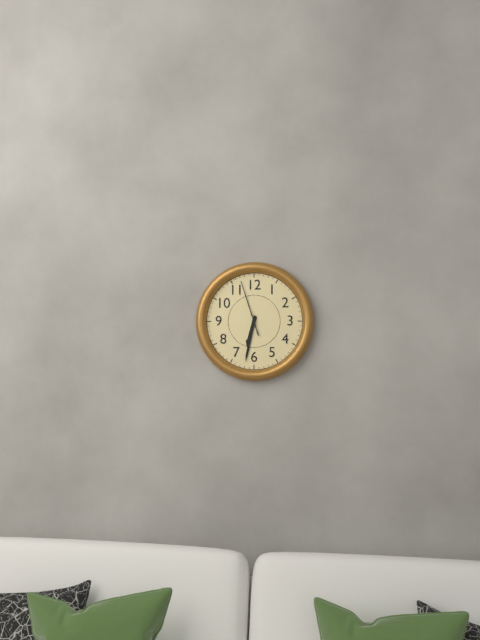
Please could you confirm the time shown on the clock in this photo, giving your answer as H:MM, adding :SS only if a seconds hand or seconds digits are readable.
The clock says 6:32:57
